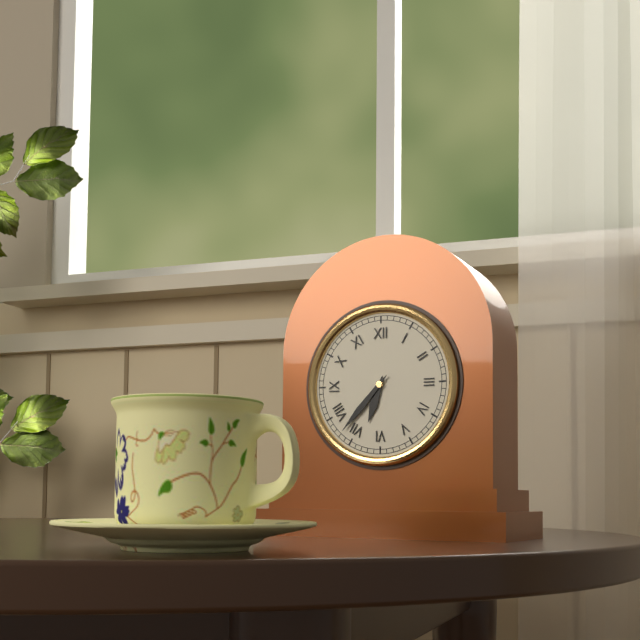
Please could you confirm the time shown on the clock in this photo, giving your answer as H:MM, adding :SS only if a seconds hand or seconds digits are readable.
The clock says 6:37
